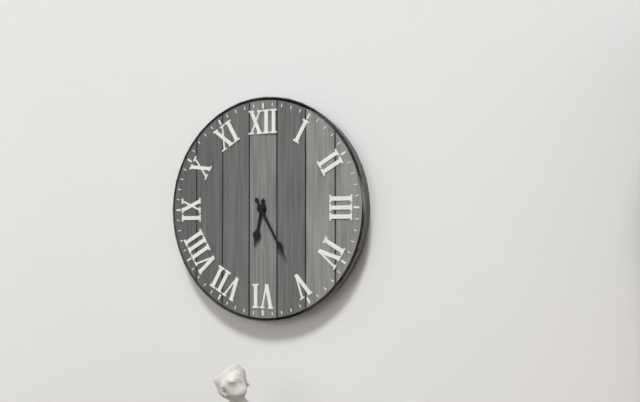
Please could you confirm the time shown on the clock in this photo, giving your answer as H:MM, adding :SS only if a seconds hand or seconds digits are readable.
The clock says 6:25
